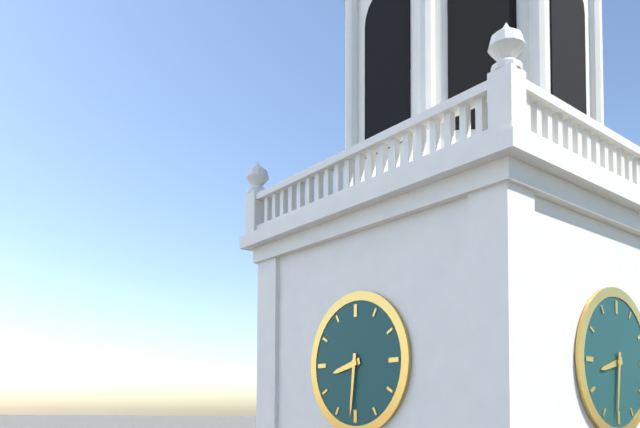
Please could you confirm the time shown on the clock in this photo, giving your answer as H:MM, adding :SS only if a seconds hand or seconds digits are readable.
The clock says 8:31
